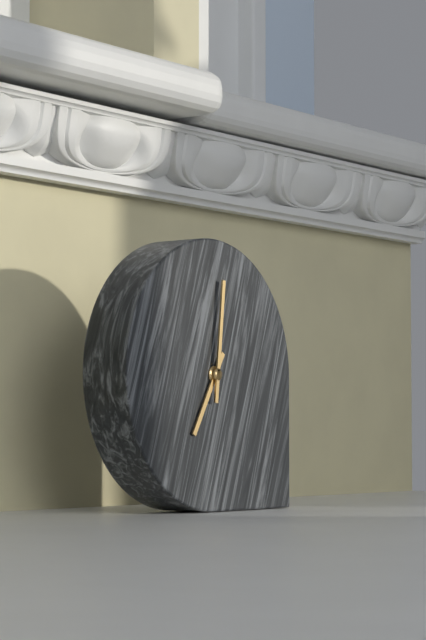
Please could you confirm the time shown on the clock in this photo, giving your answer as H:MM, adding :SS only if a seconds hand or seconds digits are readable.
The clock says 7:01
